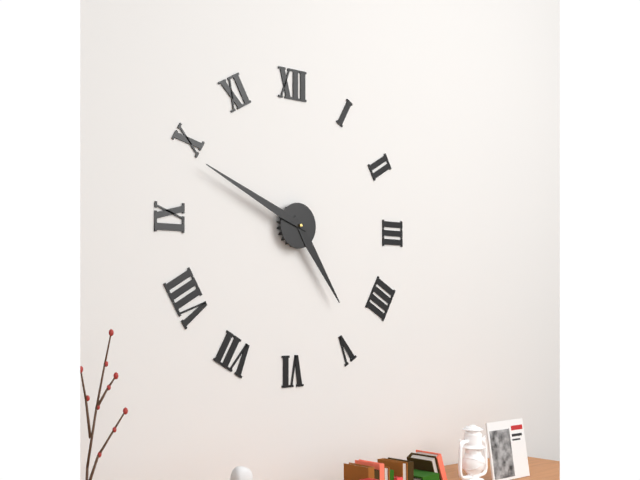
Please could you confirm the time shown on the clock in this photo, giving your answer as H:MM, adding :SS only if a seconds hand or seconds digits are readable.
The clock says 4:49
